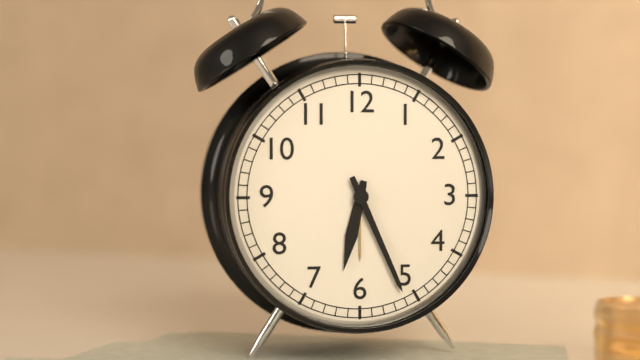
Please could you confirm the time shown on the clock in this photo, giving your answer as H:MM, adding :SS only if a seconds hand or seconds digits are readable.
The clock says 6:26
